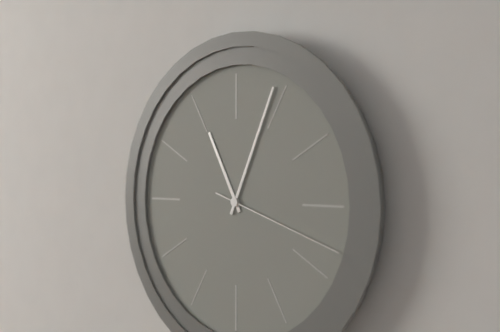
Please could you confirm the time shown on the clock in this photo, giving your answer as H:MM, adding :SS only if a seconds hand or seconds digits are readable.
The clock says 11:04:18
